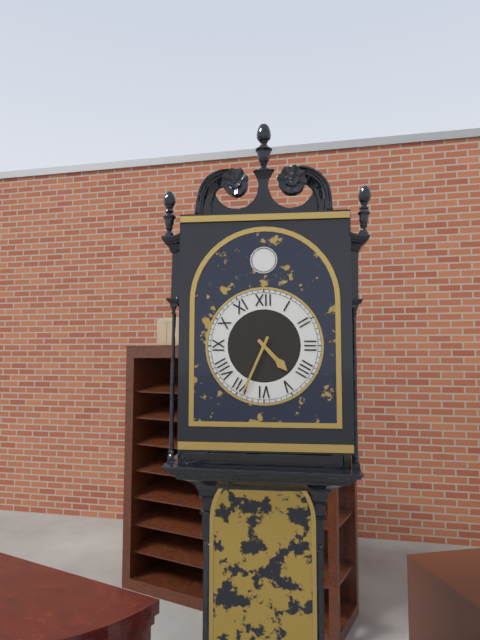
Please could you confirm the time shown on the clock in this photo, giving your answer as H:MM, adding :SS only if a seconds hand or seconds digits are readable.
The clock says 4:34
